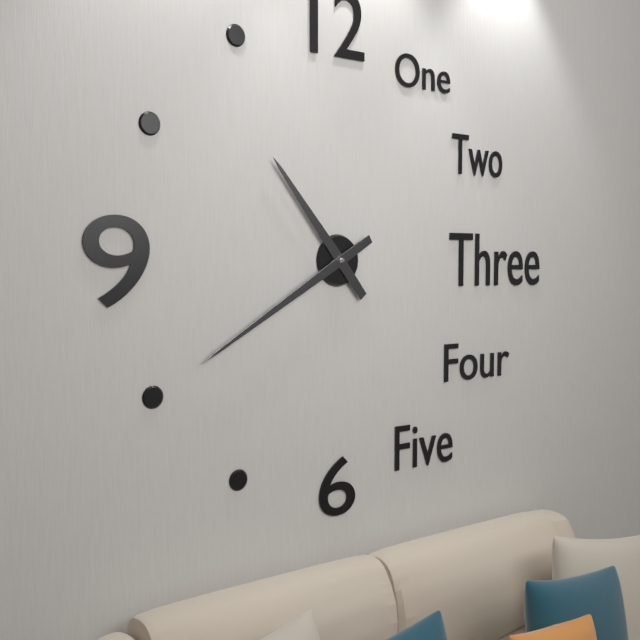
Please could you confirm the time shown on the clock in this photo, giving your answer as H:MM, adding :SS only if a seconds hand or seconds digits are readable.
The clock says 10:40
